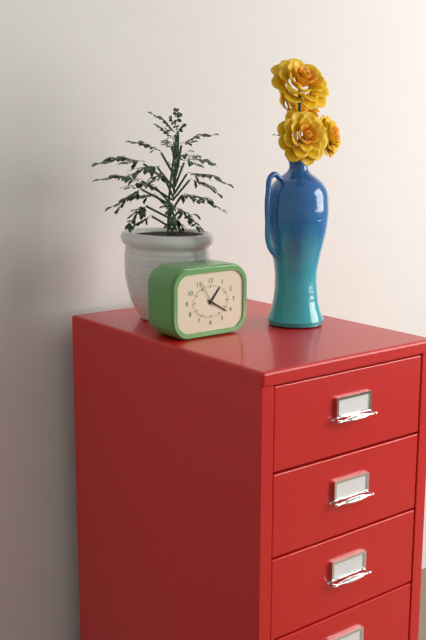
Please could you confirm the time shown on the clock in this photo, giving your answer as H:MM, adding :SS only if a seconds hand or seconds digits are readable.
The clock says 1:20
